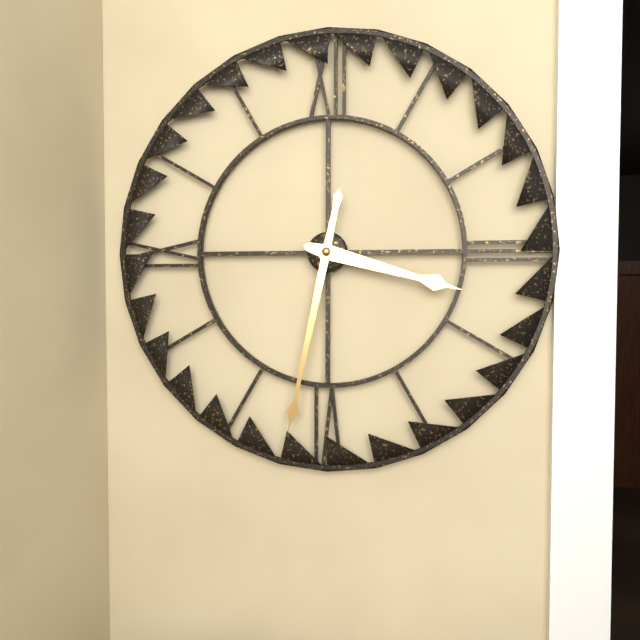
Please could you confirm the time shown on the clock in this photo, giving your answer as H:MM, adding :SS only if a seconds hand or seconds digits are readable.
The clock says 3:32
